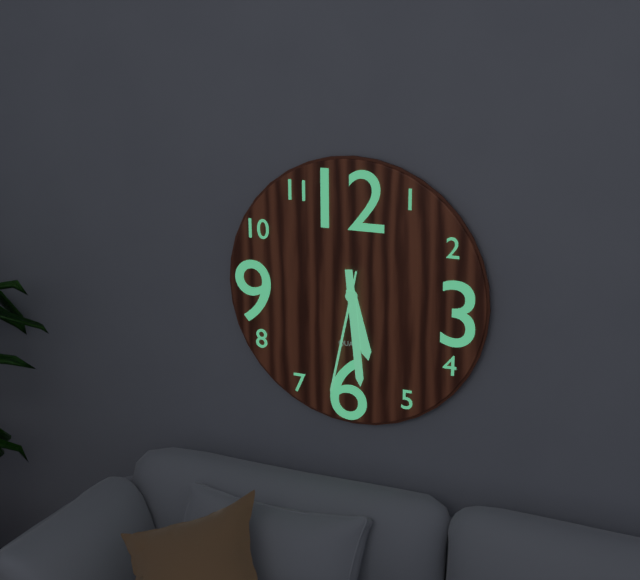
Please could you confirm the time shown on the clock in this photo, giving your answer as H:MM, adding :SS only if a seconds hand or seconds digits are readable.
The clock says 5:29:32
